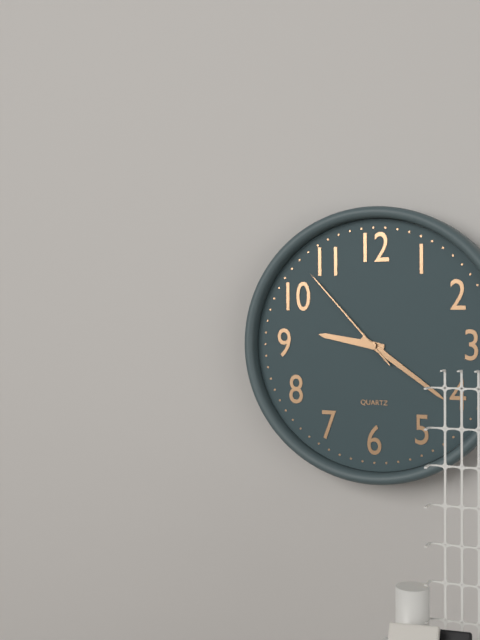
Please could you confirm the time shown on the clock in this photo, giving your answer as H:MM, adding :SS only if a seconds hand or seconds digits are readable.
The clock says 9:21:53
